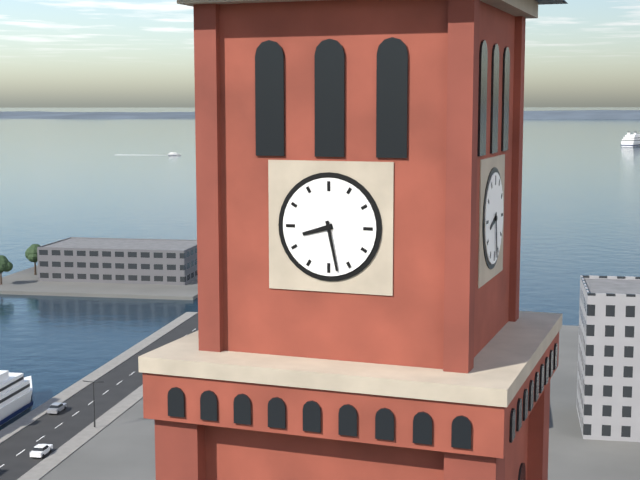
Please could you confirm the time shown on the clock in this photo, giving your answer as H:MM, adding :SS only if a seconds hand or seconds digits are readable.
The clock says 8:28
